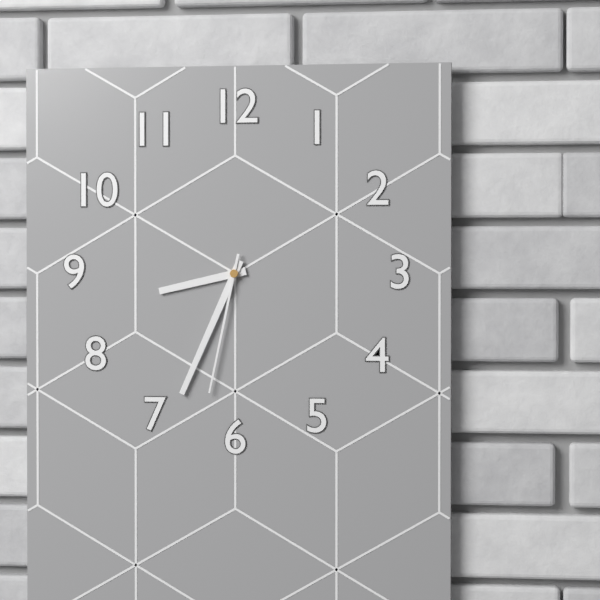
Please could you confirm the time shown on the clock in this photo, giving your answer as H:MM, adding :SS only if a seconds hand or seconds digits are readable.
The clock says 8:34:32
